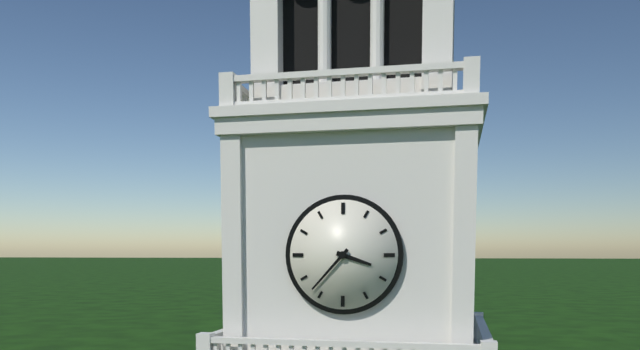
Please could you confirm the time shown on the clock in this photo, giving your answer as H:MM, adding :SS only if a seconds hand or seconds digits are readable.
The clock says 3:37
